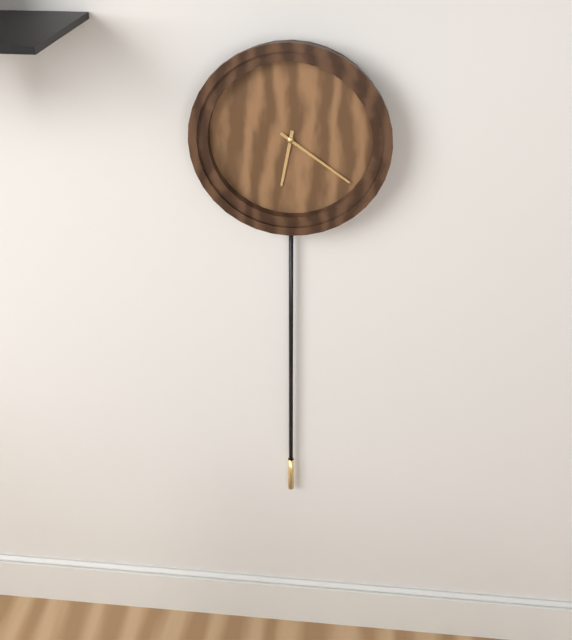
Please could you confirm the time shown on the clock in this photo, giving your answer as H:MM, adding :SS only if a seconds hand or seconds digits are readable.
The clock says 6:21
